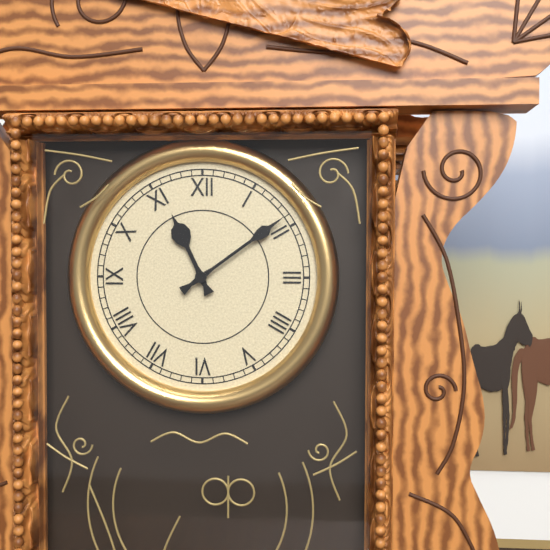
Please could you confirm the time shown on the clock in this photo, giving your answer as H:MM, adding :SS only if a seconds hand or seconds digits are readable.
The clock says 11:09
